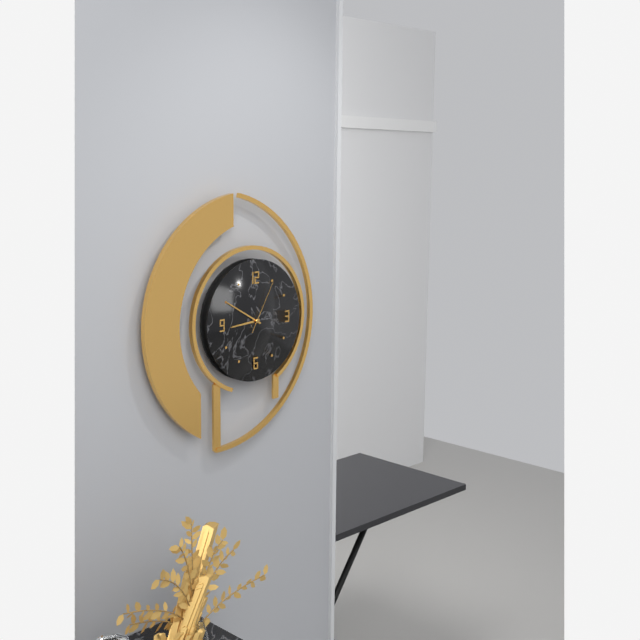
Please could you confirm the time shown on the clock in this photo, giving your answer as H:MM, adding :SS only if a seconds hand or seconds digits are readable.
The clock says 8:50:05
